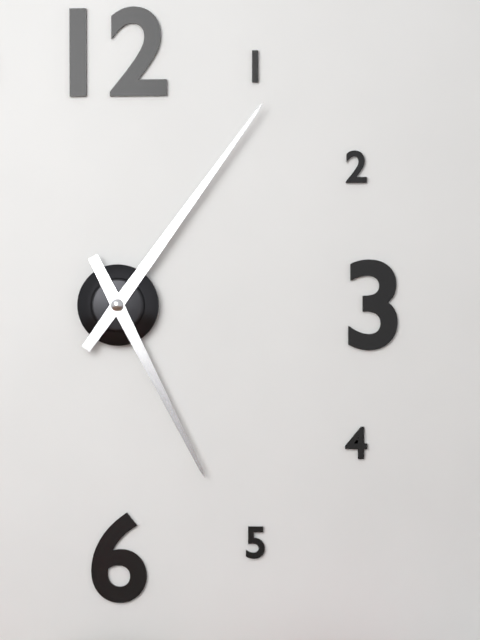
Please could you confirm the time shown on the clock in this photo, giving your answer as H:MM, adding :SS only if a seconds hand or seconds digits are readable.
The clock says 5:06
